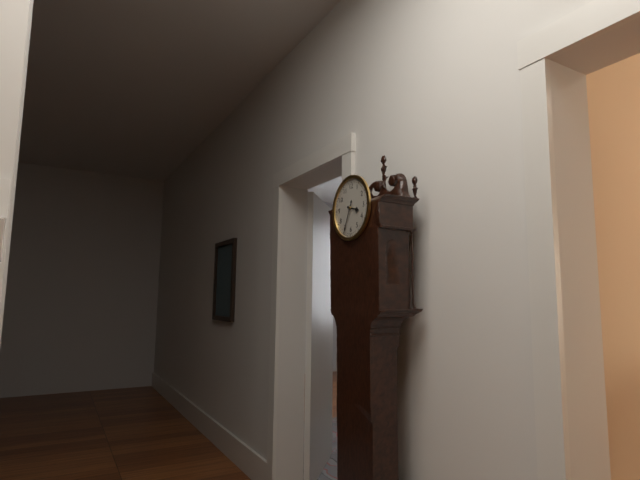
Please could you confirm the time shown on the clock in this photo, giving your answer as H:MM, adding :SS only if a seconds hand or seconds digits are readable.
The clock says 3:34
